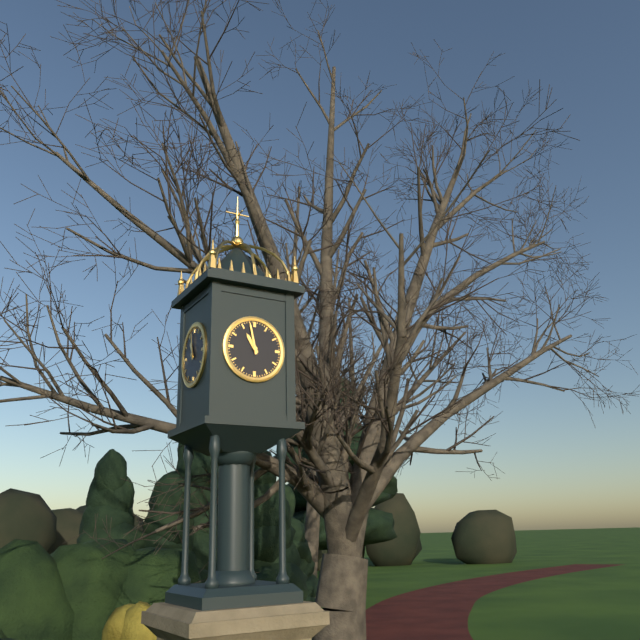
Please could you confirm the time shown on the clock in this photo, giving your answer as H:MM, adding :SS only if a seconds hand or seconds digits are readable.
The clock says 10:58
